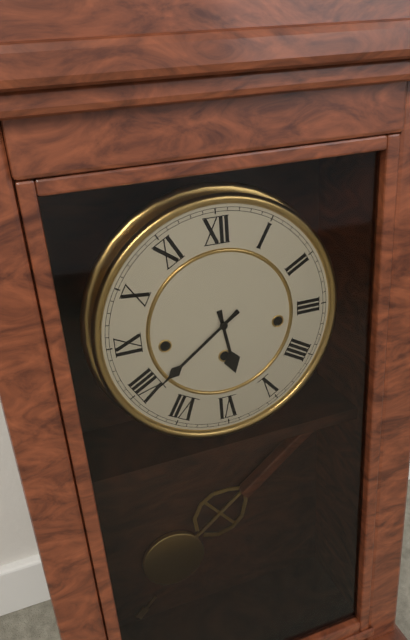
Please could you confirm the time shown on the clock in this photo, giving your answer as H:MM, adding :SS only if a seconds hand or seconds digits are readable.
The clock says 5:39
